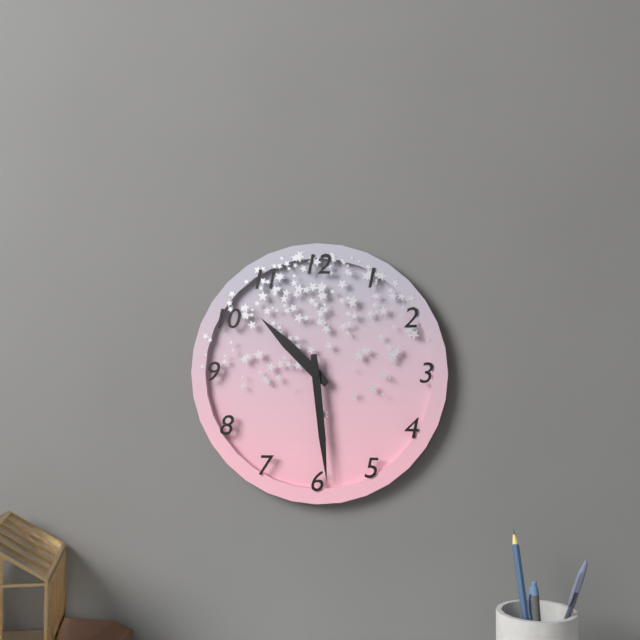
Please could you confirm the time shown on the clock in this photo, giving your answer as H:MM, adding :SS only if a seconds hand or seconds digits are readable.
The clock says 10:29
